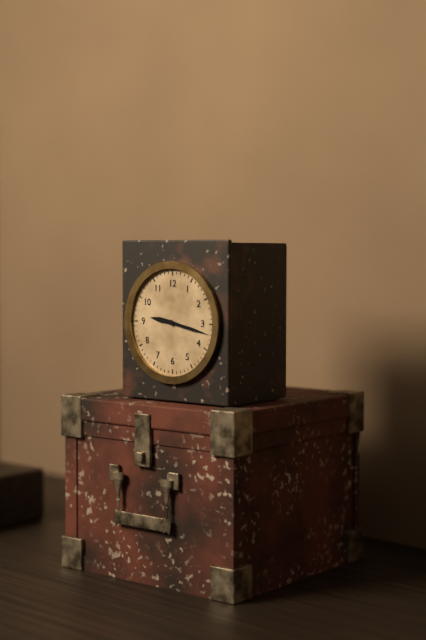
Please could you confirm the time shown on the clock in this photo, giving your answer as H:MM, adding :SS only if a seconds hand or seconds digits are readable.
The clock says 9:17
